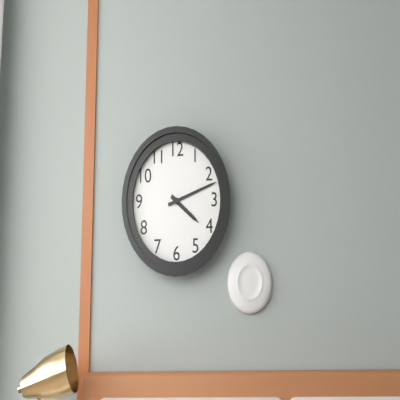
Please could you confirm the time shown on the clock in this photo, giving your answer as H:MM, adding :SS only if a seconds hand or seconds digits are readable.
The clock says 4:12
